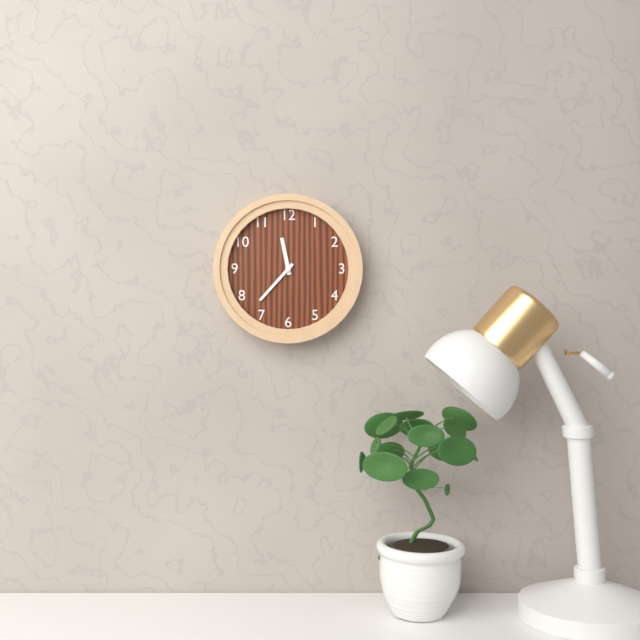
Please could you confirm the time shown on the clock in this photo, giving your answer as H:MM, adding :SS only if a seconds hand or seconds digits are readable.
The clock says 11:37
